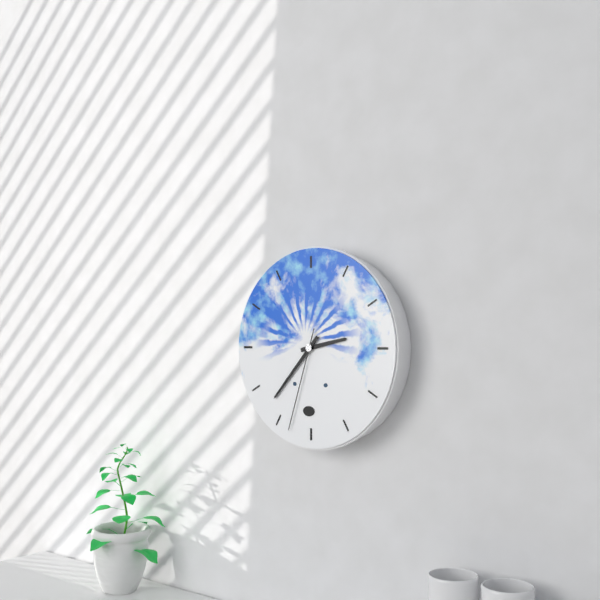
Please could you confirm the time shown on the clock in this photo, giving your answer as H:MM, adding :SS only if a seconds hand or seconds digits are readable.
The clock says 2:37:33
